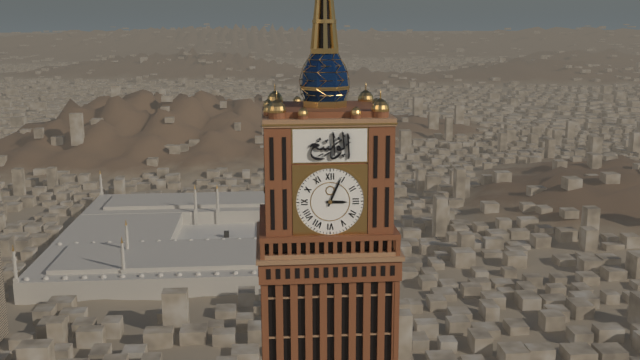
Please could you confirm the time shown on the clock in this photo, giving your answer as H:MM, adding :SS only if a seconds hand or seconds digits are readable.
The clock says 3:04
